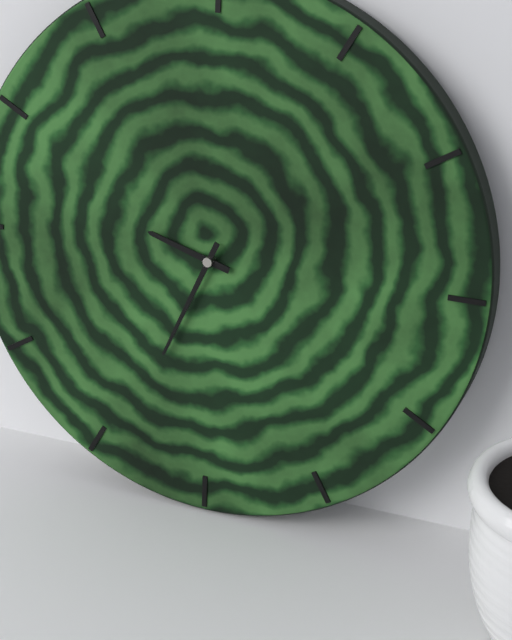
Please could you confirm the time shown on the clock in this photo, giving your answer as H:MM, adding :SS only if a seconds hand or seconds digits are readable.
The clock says 9:34
